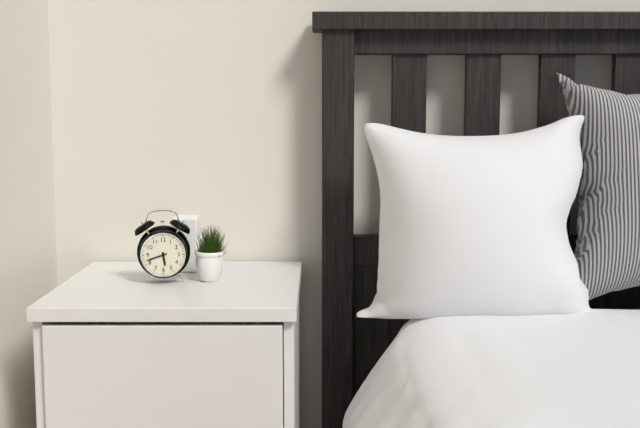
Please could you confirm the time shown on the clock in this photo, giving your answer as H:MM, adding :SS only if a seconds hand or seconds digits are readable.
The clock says 5:42
